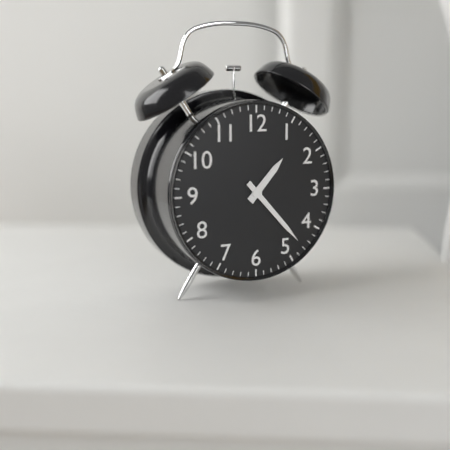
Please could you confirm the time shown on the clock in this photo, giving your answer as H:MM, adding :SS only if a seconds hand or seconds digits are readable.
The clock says 1:23
